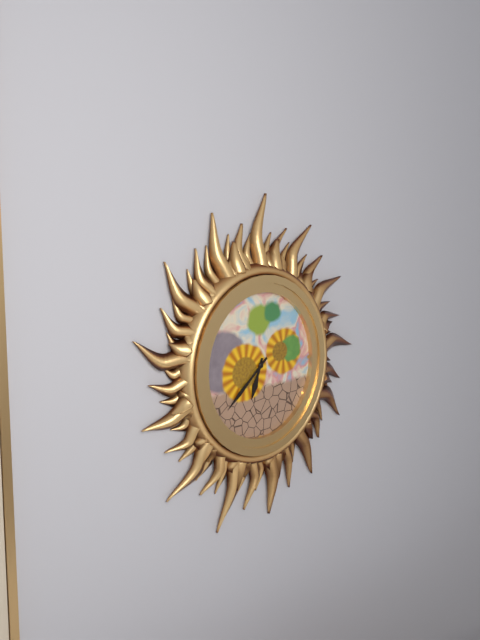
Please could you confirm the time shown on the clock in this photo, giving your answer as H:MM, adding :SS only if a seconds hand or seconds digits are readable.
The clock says 6:38
